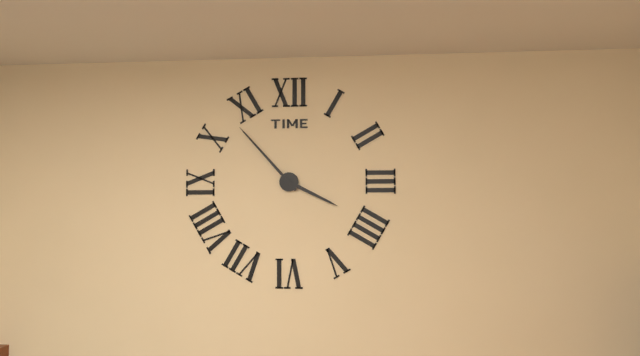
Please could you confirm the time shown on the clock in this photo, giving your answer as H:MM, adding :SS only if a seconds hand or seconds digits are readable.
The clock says 3:53
